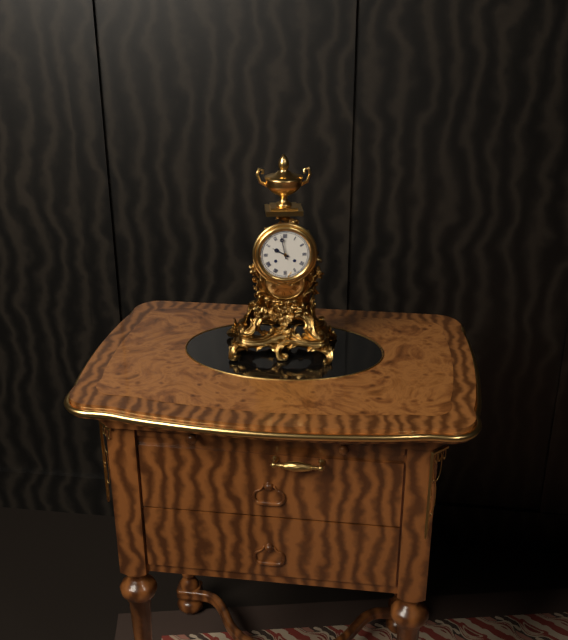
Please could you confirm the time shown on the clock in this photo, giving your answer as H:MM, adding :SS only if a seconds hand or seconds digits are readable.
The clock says 9:58
